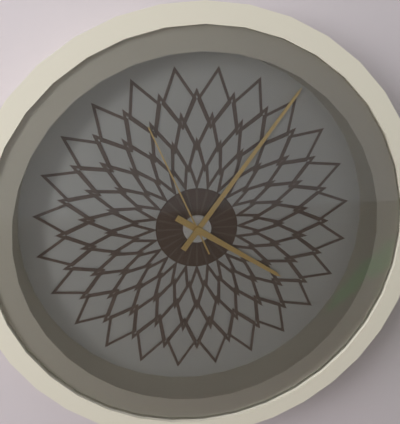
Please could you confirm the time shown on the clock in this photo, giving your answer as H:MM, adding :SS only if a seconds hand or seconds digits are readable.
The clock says 4:06:56
